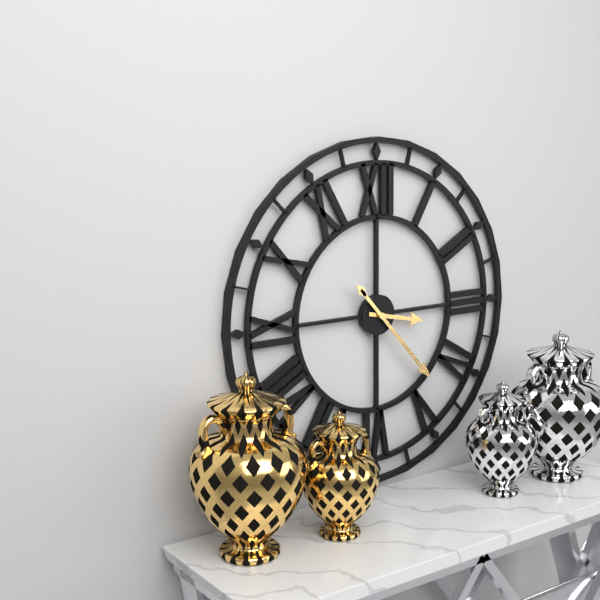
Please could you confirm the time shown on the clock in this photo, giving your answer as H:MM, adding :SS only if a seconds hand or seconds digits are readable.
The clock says 3:23
